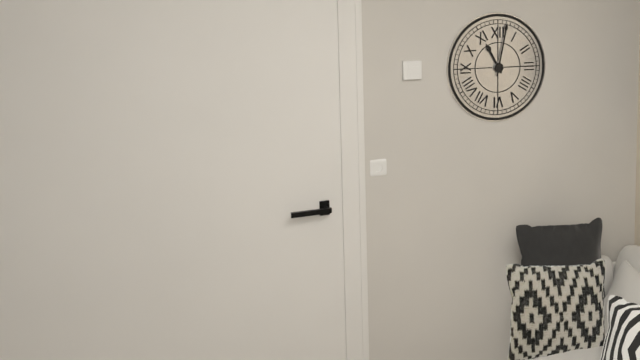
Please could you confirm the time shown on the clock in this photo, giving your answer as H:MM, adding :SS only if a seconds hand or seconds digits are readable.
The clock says 11:02
